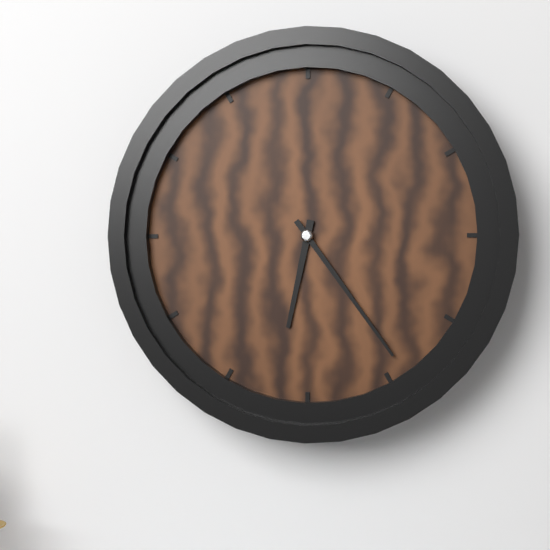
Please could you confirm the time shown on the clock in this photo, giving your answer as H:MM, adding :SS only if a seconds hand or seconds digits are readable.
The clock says 6:24
